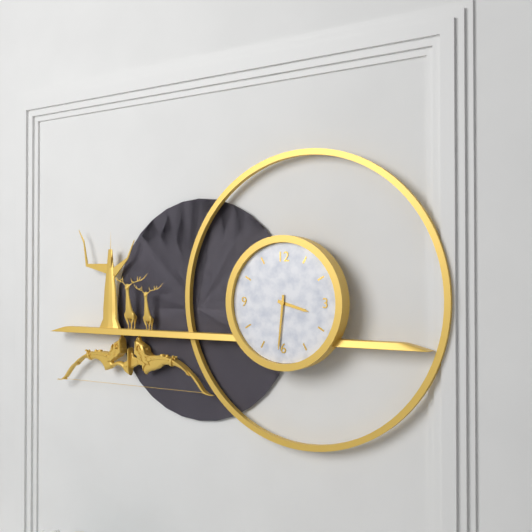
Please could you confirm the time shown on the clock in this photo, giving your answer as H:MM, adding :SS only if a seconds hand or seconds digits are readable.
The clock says 3:31
